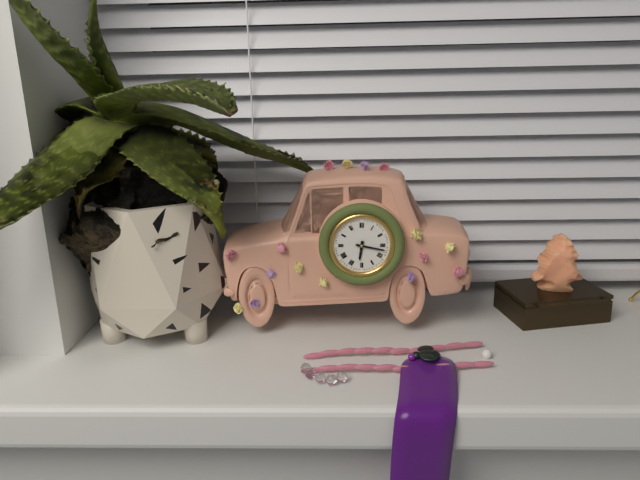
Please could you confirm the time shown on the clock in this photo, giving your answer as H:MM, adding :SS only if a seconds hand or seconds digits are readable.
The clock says 6:17
